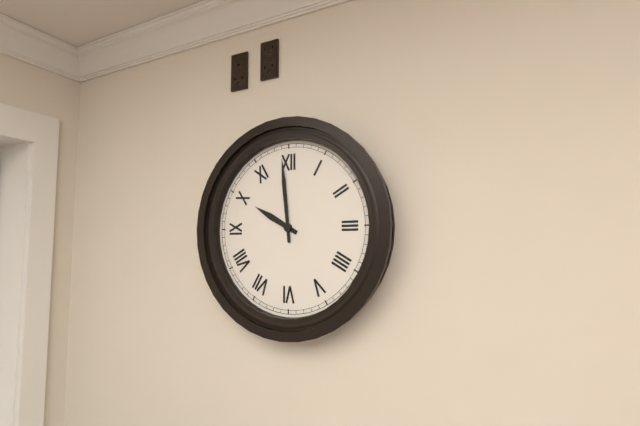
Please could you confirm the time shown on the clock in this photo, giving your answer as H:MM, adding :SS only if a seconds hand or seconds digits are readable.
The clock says 9:59
